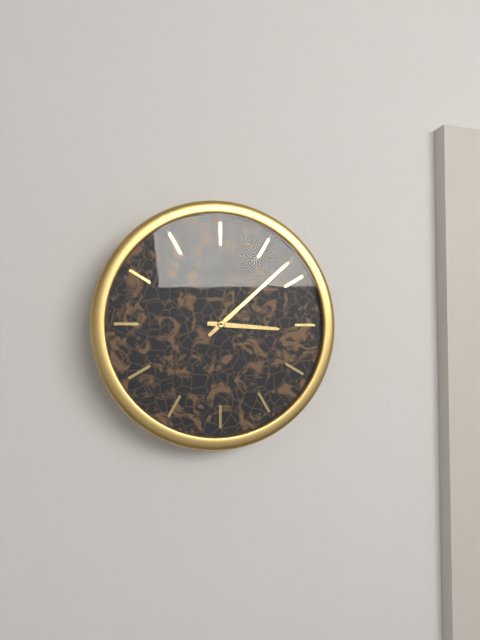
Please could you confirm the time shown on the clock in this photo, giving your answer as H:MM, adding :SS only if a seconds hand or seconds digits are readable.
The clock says 3:08
